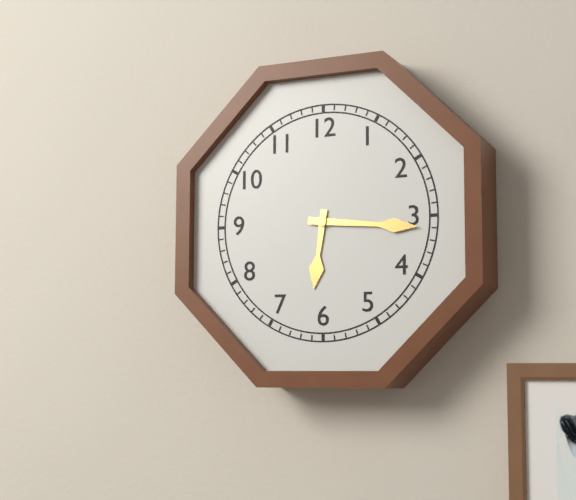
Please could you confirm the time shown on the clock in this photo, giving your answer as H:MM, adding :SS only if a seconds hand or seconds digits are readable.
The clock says 6:16
